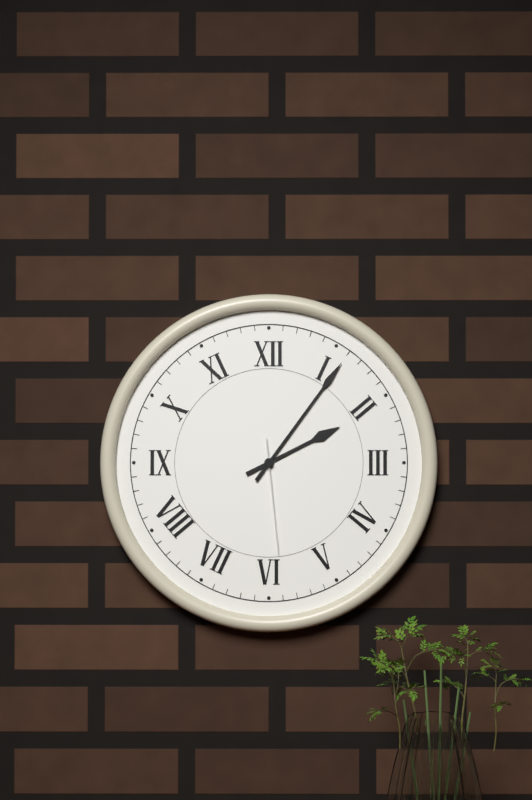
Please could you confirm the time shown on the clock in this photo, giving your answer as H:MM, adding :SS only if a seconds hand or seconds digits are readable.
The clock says 2:06:29
